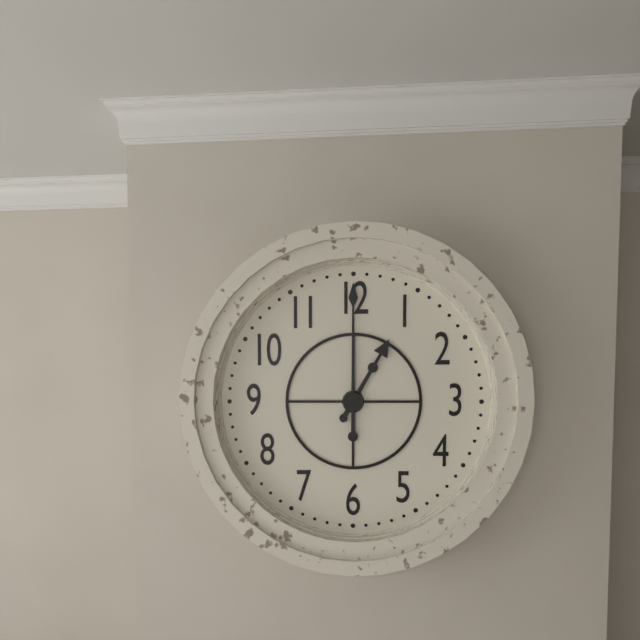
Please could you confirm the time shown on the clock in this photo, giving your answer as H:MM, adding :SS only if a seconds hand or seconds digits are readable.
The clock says 1:00
